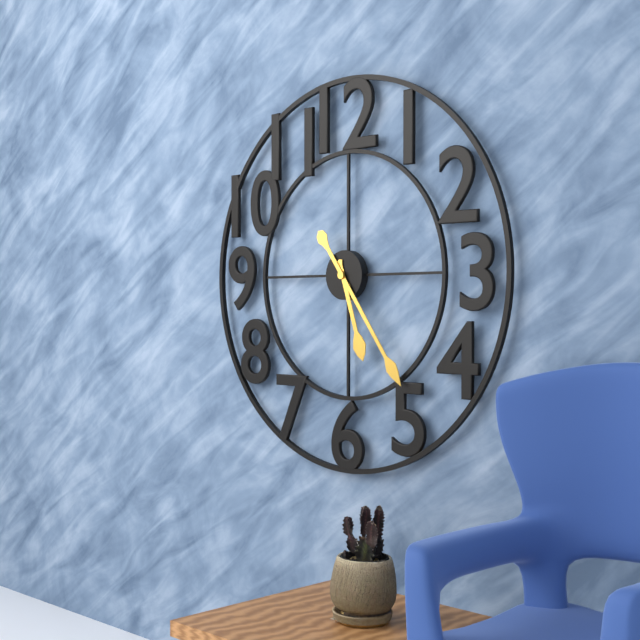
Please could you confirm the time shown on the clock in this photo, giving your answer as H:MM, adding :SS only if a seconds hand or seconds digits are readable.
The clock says 5:24
